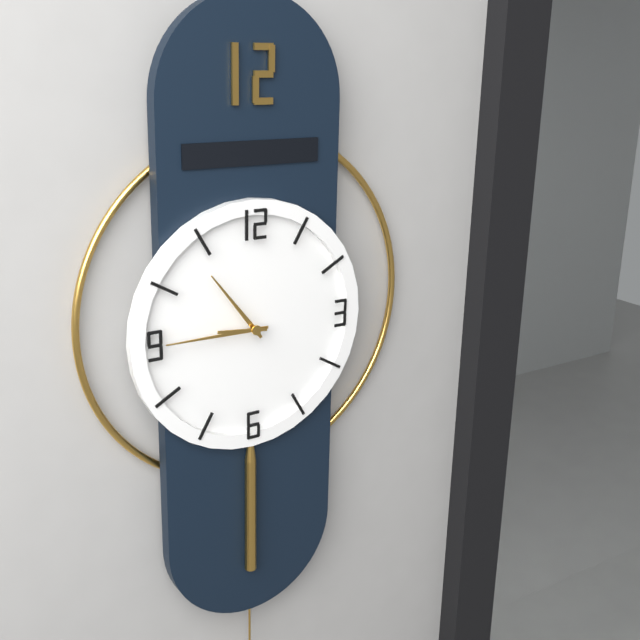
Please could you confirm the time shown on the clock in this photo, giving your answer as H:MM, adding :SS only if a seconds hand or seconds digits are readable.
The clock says 10:45
